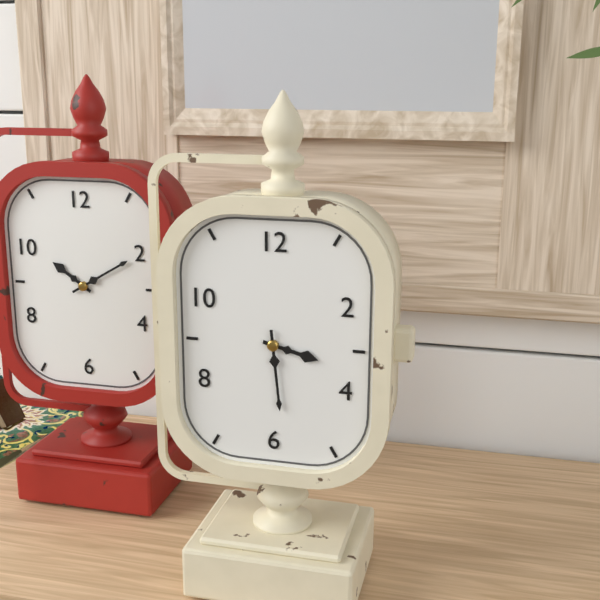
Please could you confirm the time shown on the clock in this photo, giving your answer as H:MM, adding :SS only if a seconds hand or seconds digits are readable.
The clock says 3:29
